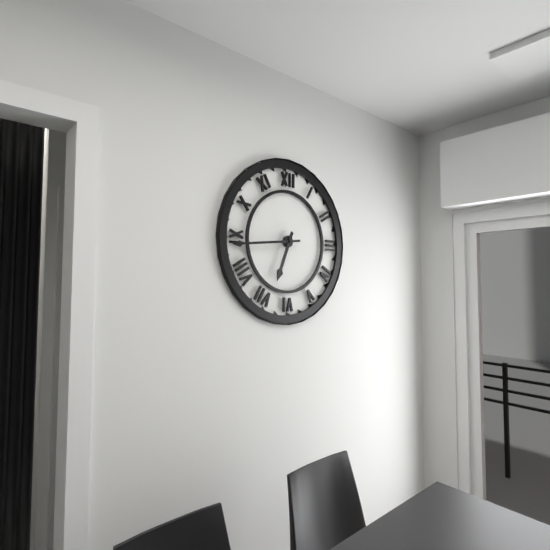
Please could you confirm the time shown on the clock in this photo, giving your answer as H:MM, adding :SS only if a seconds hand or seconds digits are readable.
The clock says 6:44
